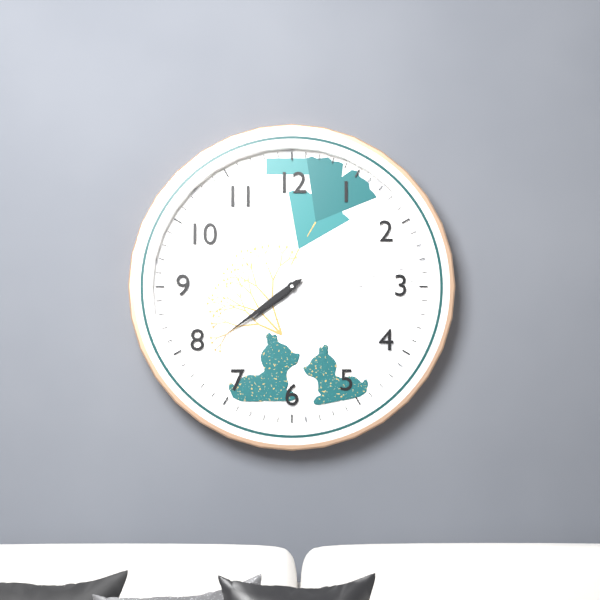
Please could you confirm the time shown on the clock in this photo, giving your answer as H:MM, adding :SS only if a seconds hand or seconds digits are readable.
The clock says 7:39
